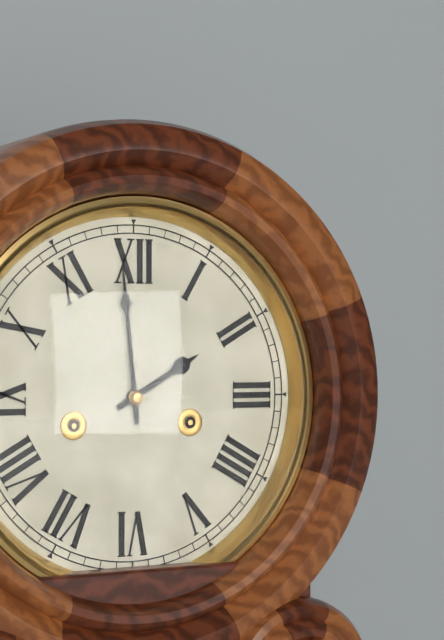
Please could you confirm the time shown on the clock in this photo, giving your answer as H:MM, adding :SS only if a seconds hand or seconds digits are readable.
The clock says 1:59
